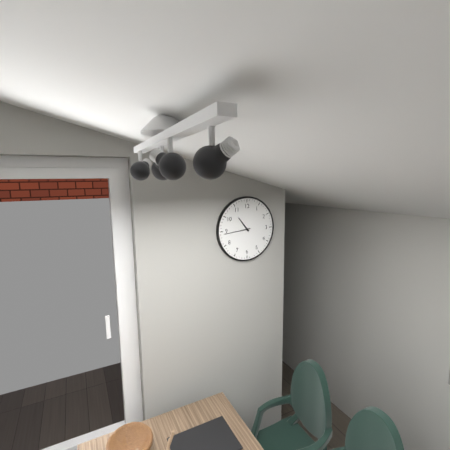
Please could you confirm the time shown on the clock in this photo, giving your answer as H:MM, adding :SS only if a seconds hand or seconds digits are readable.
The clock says 10:44
